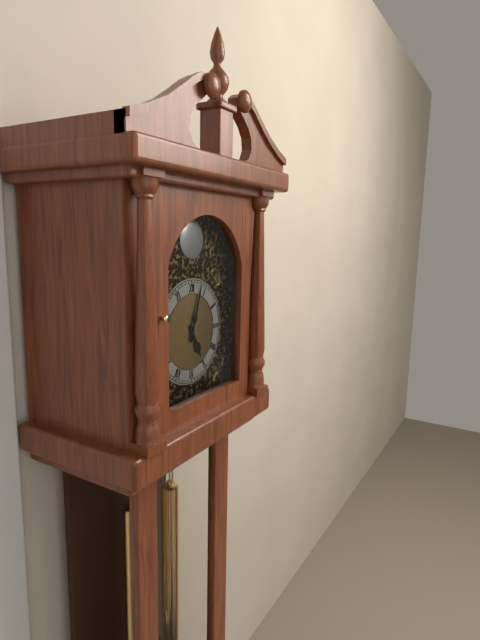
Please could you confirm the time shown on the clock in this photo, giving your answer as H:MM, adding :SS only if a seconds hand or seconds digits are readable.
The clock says 5:03
